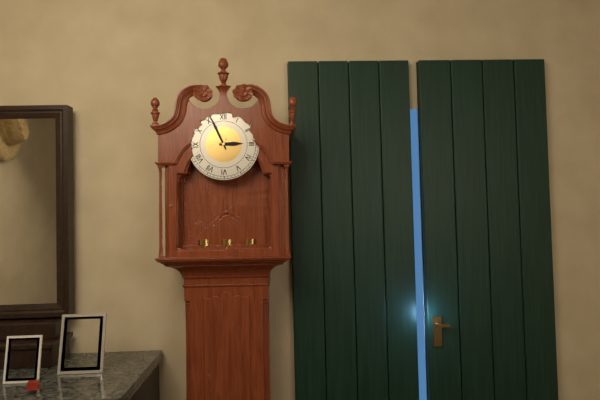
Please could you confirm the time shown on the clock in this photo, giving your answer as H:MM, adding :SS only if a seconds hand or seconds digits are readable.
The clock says 2:56
